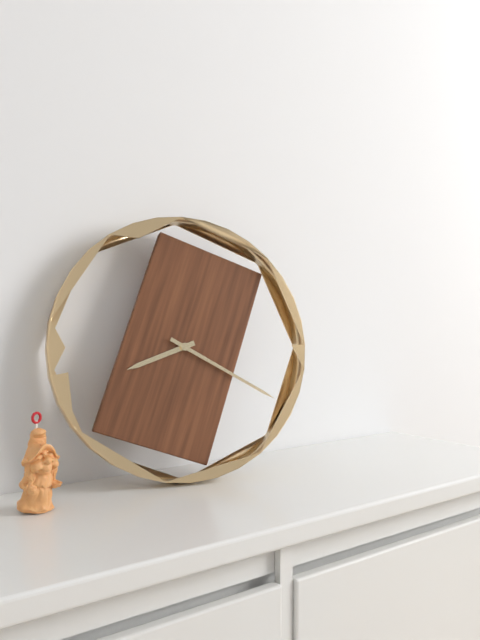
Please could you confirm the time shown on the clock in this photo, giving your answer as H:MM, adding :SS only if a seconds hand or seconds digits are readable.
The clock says 8:20
